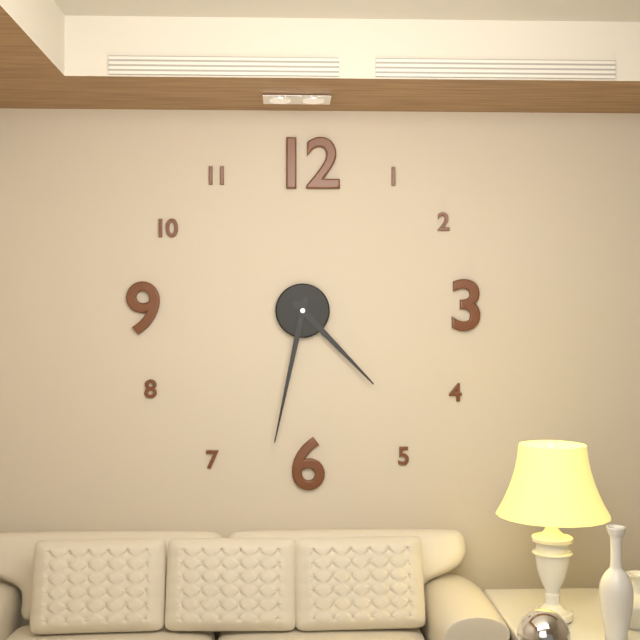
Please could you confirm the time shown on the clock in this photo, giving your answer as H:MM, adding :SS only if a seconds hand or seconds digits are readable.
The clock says 4:32
